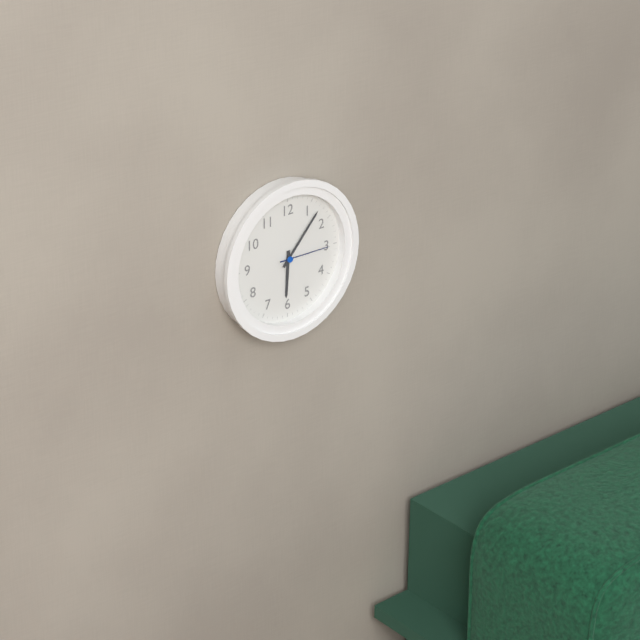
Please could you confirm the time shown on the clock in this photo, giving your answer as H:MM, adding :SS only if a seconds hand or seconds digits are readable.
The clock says 6:07:15
